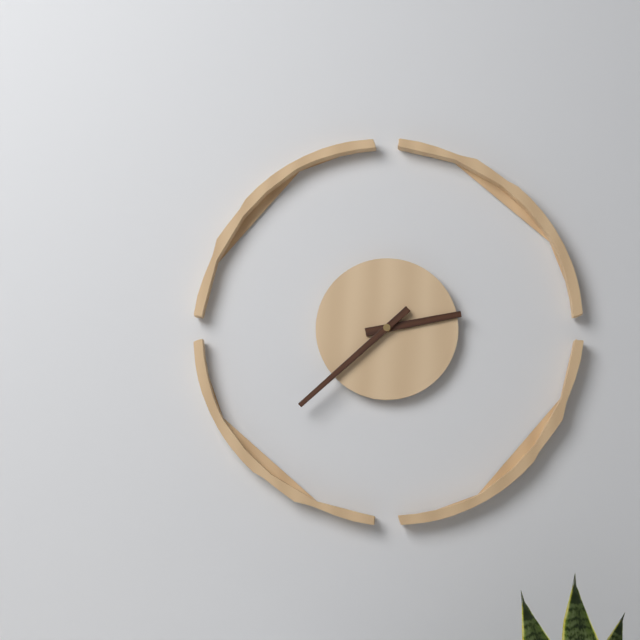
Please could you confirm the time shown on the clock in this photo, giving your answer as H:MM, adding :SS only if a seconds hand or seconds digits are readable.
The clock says 2:38
